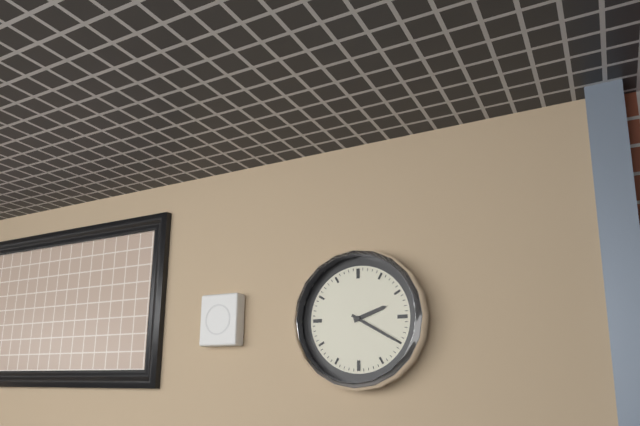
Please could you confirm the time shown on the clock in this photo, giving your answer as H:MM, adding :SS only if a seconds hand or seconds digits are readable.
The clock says 2:20
